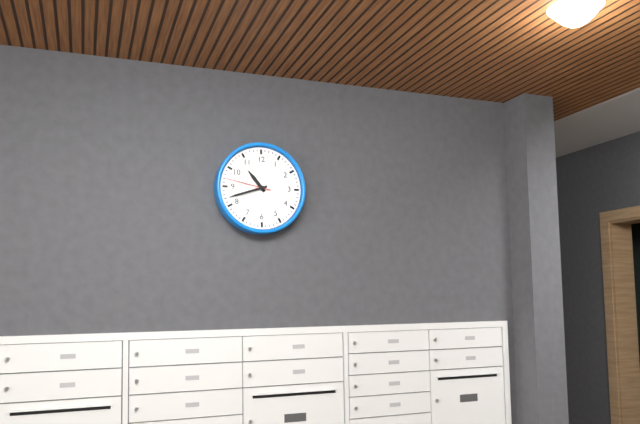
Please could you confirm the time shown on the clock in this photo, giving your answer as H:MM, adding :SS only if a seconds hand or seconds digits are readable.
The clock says 10:42
